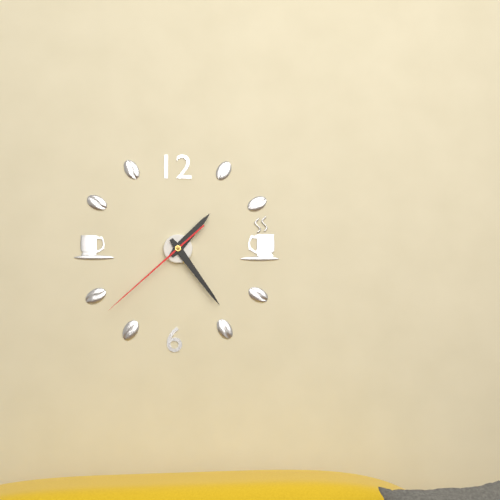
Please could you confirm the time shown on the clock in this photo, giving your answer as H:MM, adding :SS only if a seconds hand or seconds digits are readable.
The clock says 1:24:38
